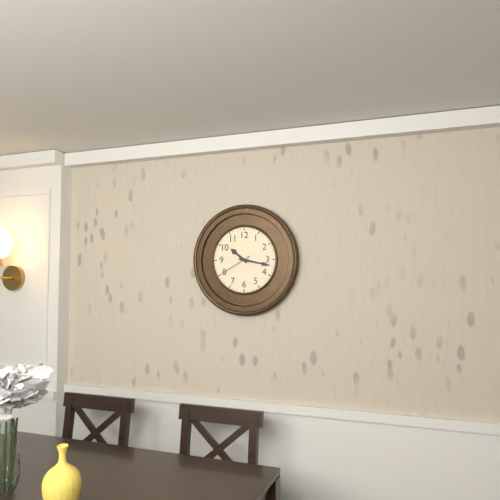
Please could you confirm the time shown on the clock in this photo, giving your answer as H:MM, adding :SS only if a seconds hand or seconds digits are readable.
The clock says 10:17
